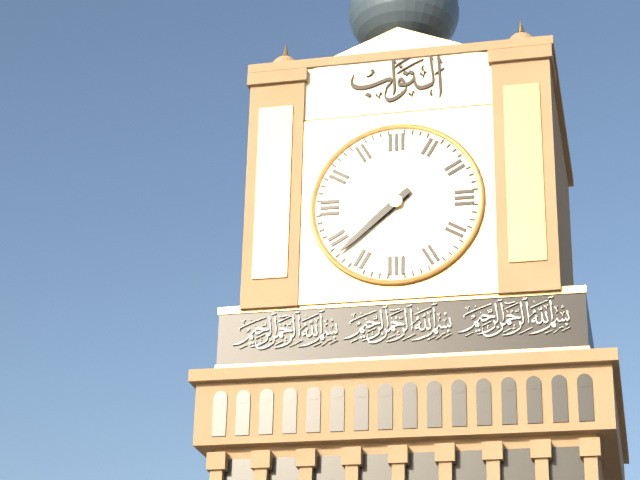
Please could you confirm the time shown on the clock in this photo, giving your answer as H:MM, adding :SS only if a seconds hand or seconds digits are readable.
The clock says 7:38
